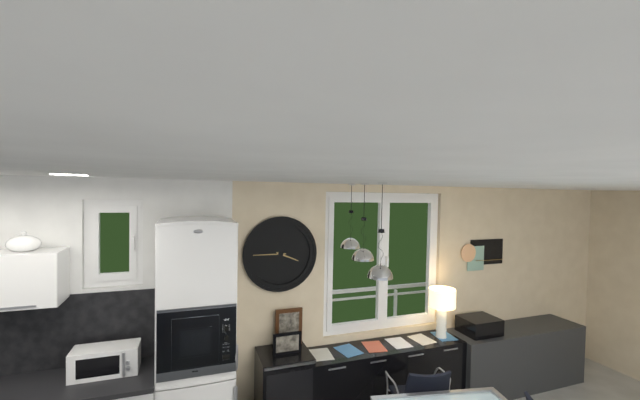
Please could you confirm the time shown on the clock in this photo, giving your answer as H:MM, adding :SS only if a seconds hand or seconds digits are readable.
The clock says 3:45
